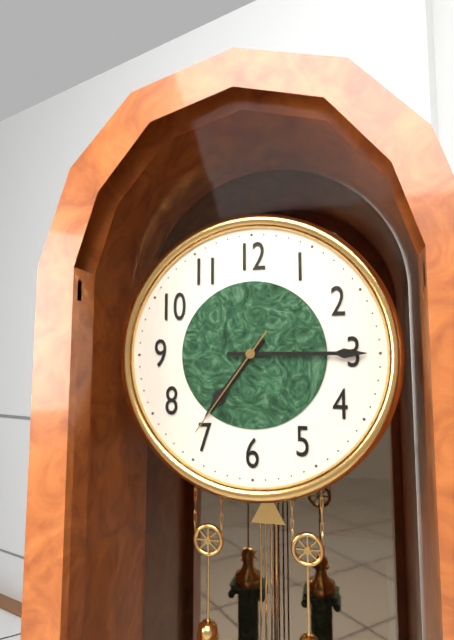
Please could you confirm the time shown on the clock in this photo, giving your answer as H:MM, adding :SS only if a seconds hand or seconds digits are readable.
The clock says 7:15:36
